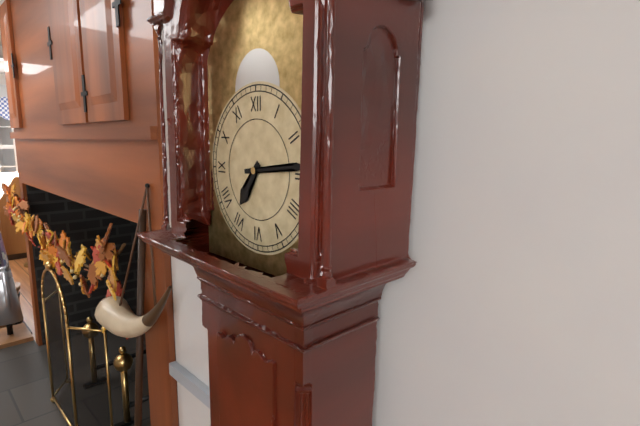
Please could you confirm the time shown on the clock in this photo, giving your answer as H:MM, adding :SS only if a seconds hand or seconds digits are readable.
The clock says 7:14
